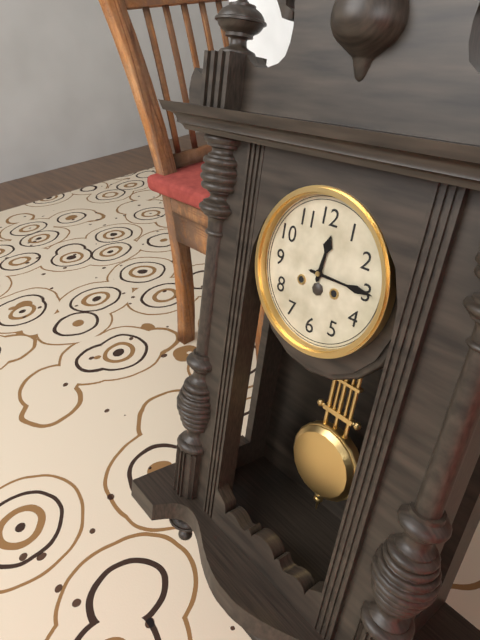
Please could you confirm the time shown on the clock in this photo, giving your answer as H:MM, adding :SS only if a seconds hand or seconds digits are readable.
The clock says 12:15
